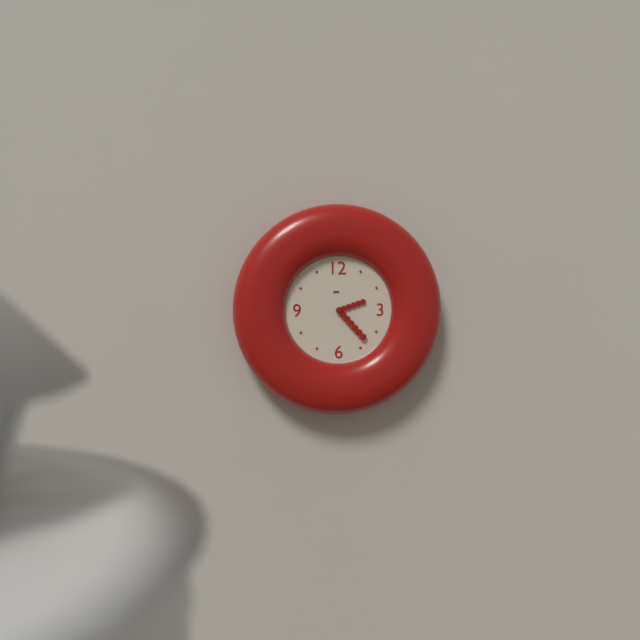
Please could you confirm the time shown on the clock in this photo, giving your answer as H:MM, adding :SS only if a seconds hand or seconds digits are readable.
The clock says 2:23
